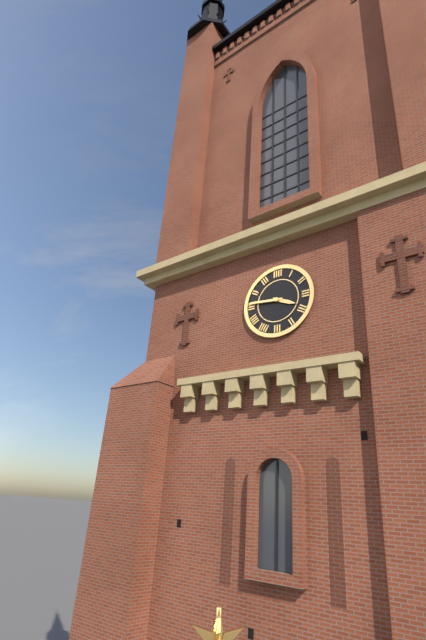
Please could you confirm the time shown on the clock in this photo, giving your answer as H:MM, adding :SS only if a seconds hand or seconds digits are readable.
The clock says 3:46
